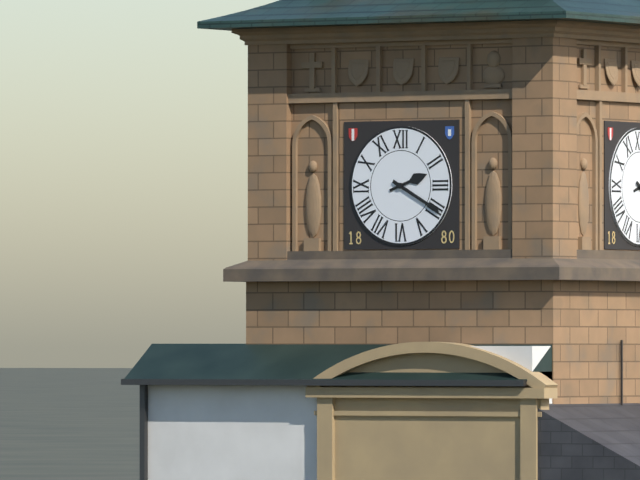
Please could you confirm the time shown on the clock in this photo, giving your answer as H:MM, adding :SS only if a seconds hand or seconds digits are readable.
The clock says 2:20
